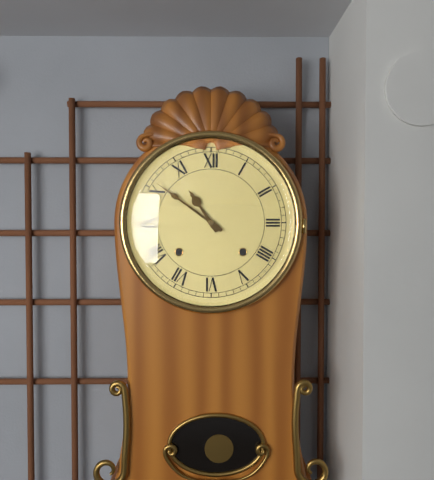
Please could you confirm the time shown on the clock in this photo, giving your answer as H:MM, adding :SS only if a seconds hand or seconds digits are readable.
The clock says 10:51
